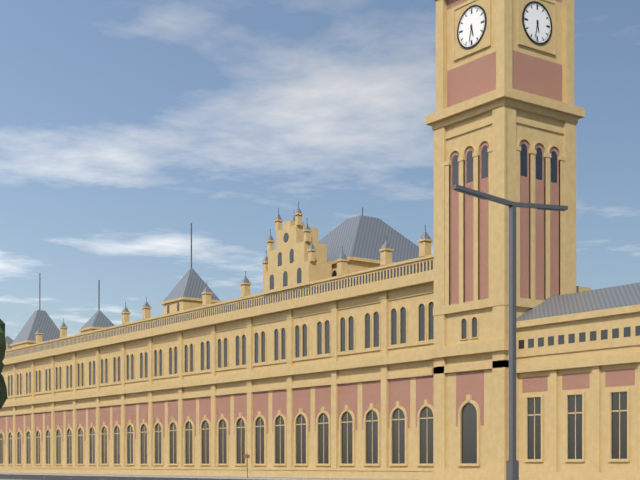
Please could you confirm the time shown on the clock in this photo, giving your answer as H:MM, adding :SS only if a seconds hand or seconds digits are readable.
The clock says 5:32
